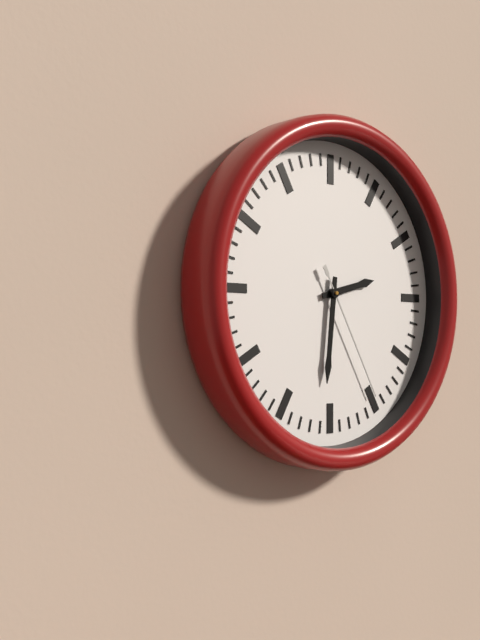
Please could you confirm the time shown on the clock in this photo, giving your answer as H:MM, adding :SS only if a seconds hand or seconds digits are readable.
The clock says 2:31:25
